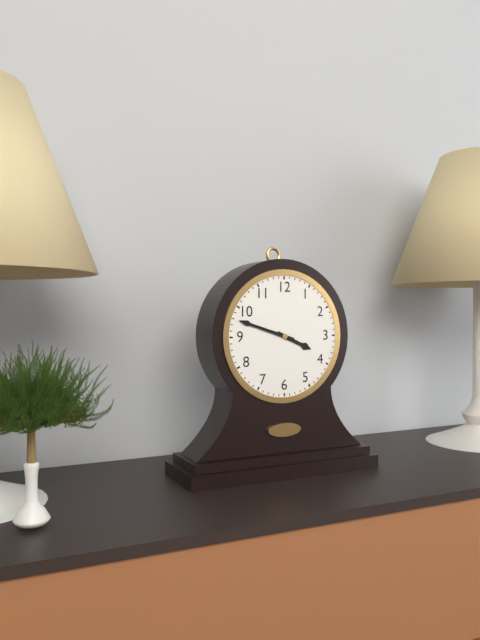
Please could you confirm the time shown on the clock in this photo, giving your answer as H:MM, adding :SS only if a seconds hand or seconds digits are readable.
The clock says 3:48
